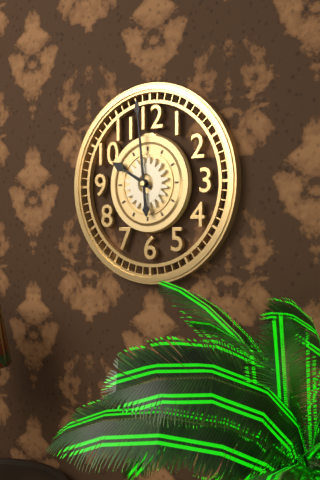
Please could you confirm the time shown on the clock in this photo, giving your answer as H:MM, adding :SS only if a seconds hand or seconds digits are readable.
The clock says 9:59
